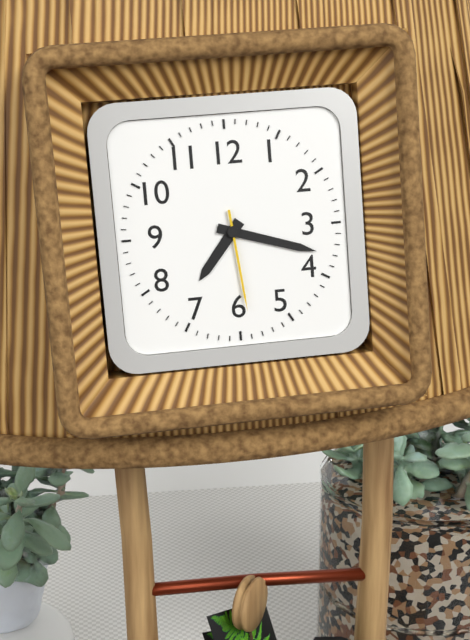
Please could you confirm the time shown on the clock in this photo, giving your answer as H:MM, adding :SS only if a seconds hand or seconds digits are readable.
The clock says 7:18:29
